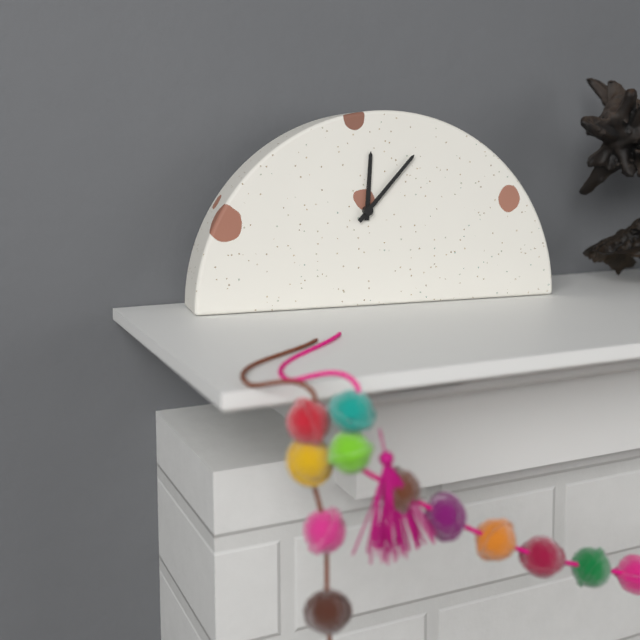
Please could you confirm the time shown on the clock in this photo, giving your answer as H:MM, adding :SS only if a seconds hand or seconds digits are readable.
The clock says 12:07
